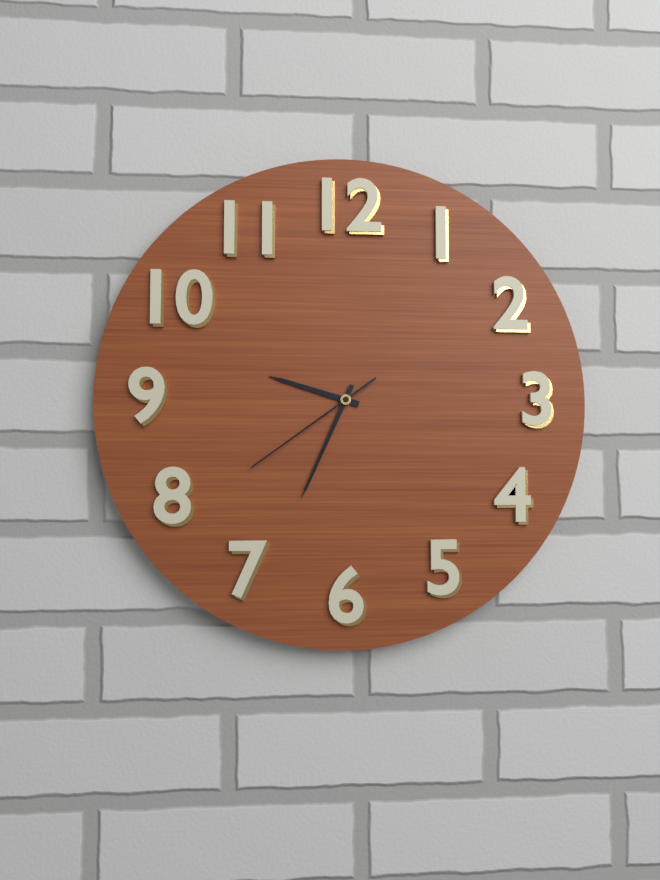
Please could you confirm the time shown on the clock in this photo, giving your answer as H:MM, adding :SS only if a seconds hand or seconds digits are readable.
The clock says 9:34:39
